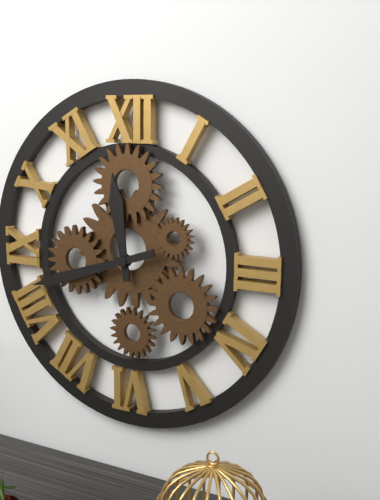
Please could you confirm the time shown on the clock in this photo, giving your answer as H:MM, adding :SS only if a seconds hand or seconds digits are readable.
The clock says 11:42
